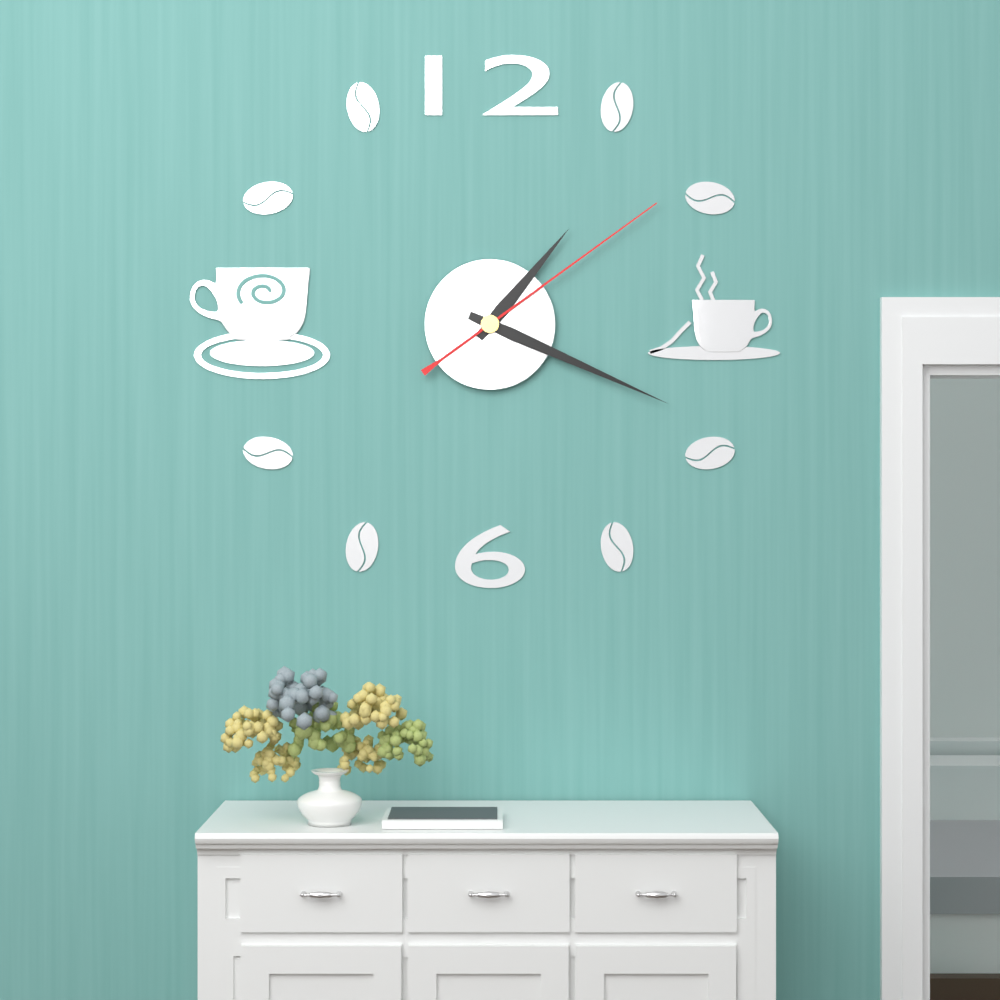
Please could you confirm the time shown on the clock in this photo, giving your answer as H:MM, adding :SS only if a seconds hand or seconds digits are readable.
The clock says 1:19:09
